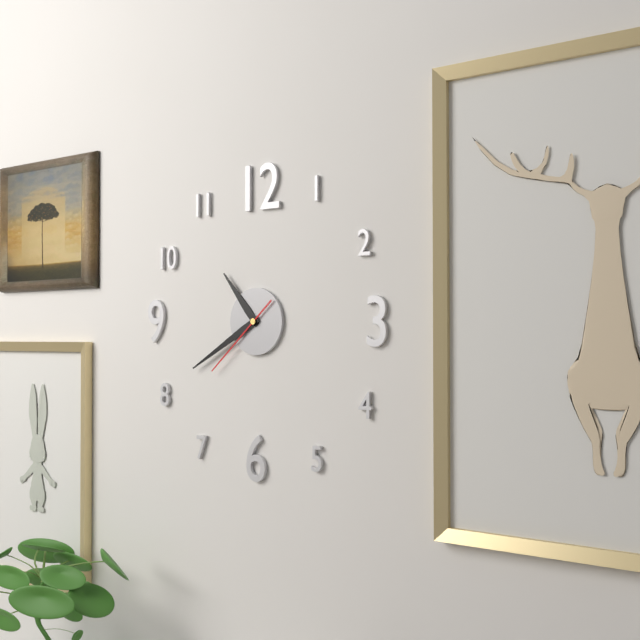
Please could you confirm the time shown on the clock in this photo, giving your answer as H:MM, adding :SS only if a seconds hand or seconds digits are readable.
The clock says 10:40:38
